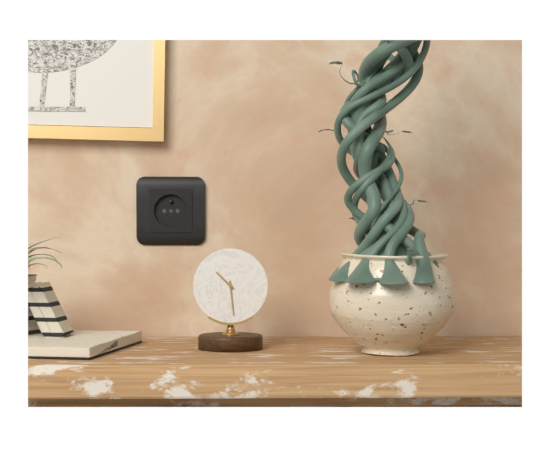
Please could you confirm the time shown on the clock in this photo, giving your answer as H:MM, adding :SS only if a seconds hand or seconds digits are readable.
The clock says 10:29
